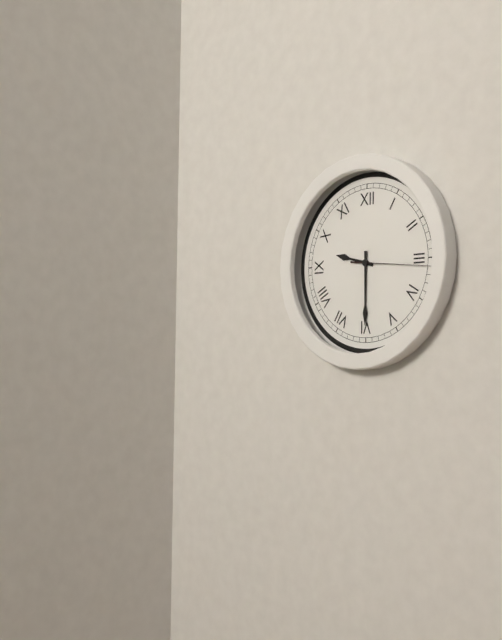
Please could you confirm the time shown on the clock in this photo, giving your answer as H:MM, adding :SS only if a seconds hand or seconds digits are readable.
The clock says 9:30:16
